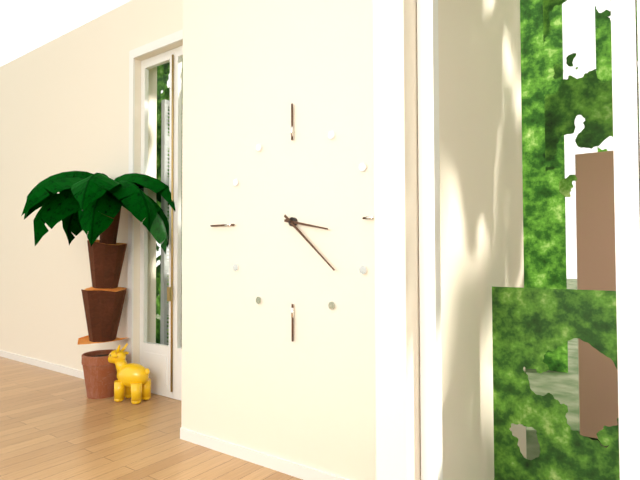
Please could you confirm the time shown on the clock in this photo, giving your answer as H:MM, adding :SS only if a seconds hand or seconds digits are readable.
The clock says 3:22
